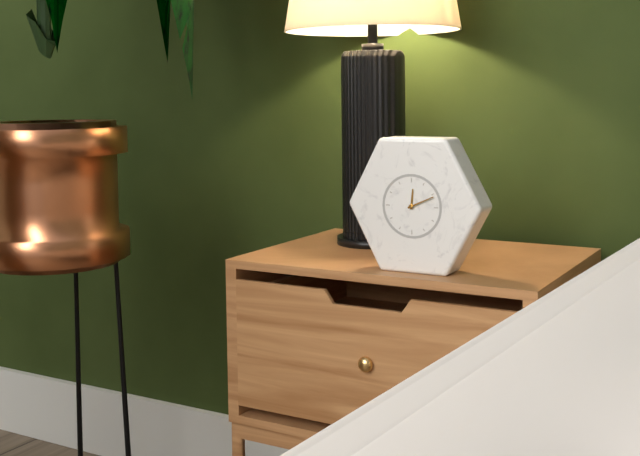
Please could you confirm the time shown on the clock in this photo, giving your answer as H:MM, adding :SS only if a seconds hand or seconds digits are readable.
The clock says 12:11
